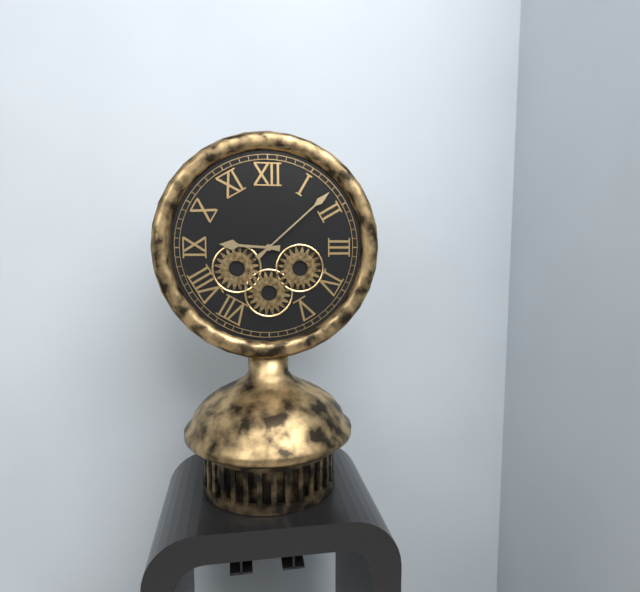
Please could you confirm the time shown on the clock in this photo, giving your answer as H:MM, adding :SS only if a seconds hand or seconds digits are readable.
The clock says 9:08
